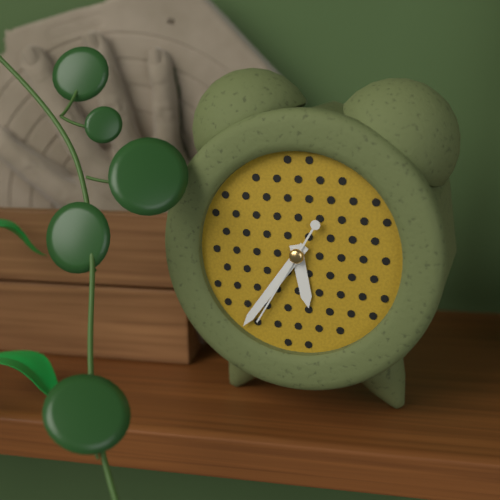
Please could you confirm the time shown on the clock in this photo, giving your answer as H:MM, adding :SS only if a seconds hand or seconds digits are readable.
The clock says 5:36:35
